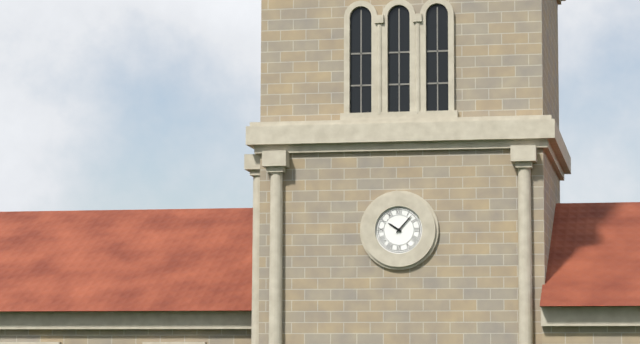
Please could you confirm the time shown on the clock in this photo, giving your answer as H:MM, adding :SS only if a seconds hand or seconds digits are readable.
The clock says 10:07
